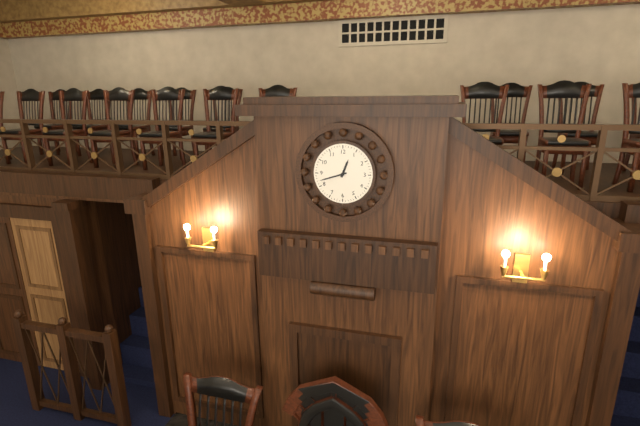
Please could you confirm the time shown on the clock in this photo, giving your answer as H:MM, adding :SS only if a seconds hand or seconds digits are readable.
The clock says 12:42
